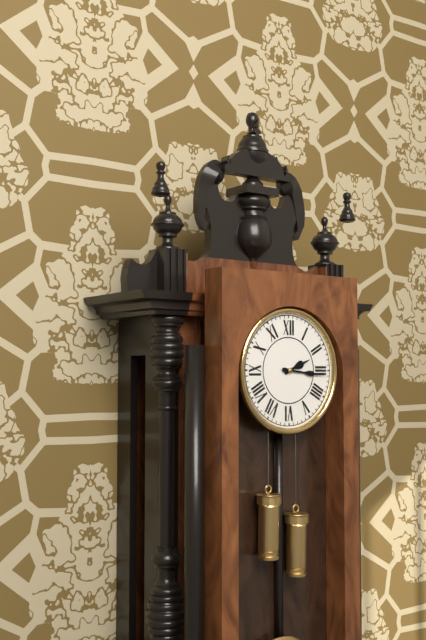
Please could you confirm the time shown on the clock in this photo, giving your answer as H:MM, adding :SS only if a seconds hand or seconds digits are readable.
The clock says 2:16
